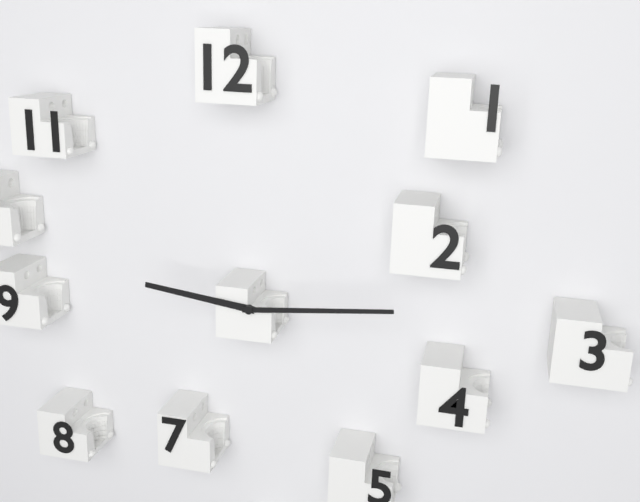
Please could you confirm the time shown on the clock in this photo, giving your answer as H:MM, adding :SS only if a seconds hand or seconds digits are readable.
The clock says 9:14
